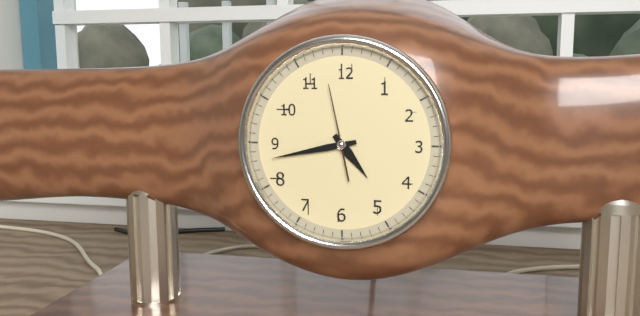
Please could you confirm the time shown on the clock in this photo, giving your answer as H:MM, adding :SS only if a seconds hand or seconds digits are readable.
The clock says 4:43:58
